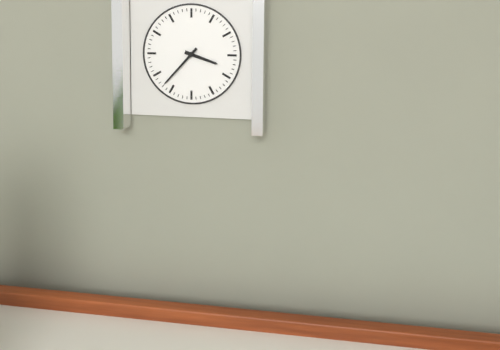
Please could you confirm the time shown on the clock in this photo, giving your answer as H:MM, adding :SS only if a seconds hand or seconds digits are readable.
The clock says 3:37
